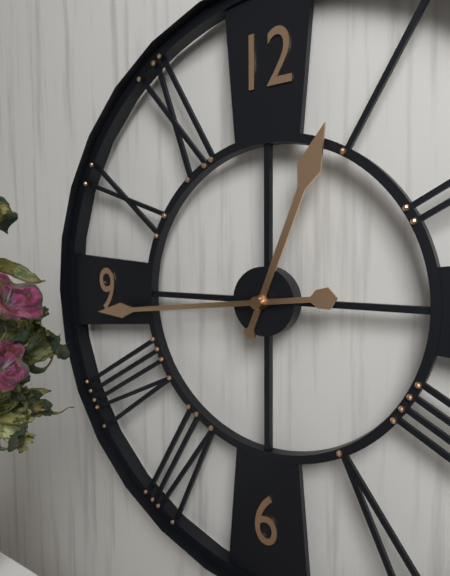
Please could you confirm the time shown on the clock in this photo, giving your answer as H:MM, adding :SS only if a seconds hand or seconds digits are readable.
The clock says 12:44
